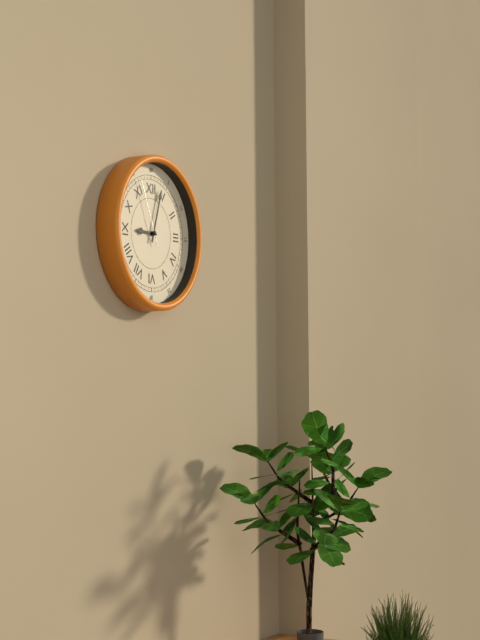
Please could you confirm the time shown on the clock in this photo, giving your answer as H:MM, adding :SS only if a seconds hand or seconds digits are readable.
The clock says 9:03:56
